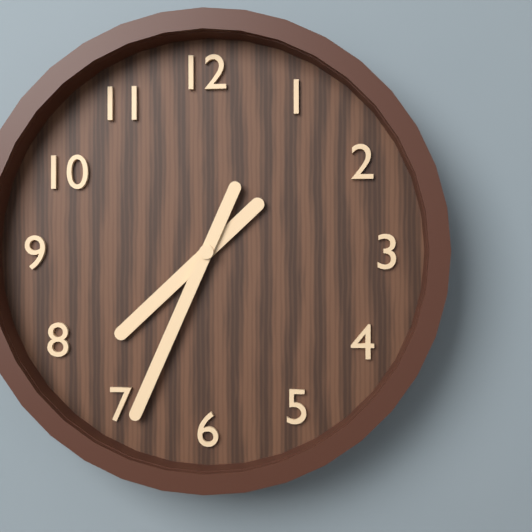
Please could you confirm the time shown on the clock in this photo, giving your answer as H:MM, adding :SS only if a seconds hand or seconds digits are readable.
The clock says 7:34
